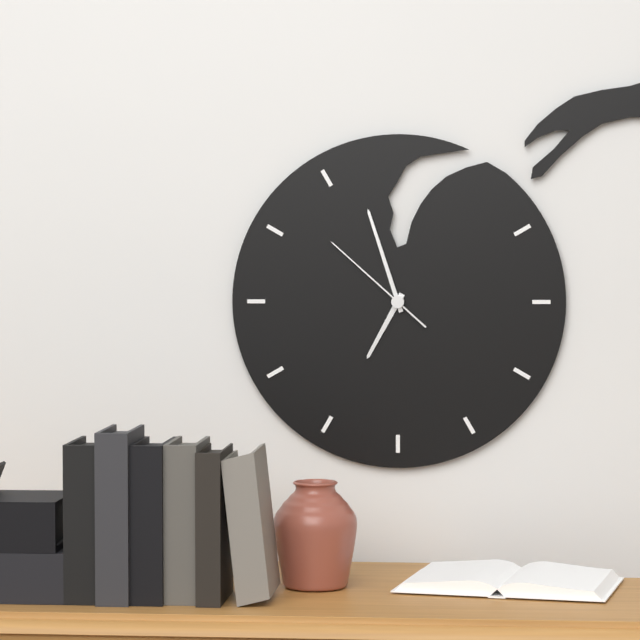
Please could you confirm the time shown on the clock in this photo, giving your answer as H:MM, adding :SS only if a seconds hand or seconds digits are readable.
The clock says 6:57:52
